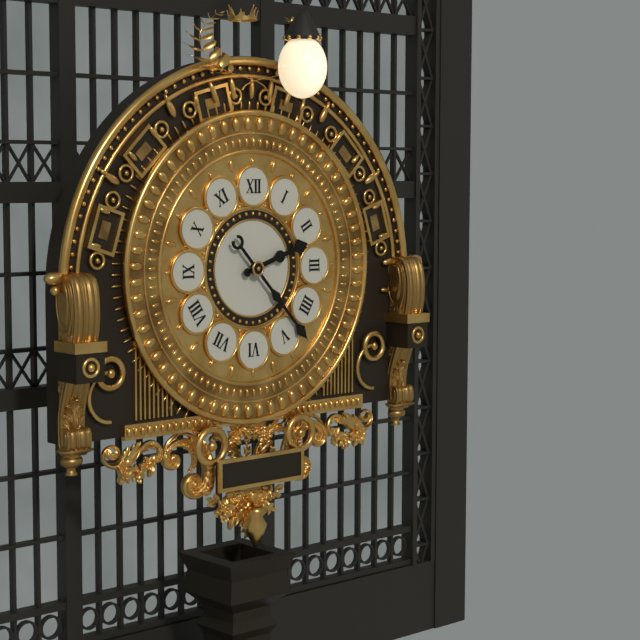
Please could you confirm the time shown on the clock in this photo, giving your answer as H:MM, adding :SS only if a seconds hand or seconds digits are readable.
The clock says 2:23
